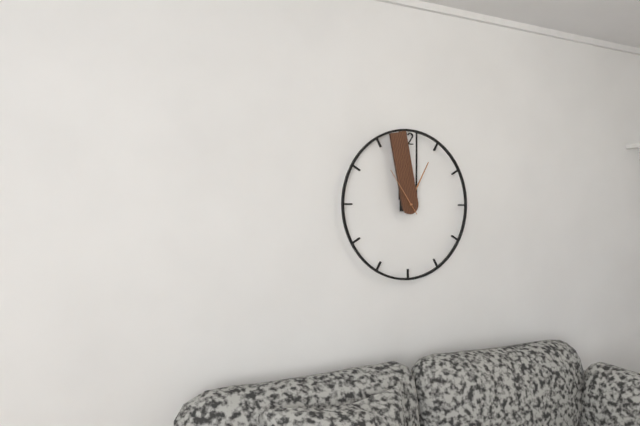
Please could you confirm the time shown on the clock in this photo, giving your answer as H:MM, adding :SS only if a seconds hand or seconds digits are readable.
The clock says 12:58
